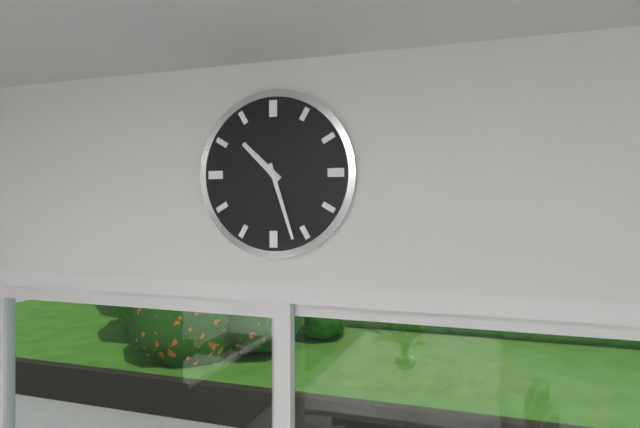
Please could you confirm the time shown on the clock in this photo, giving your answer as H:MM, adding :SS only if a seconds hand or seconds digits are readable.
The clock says 10:27
